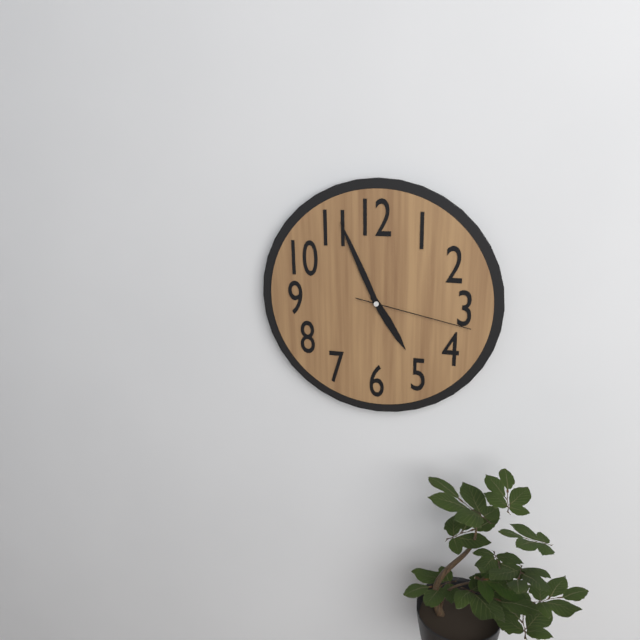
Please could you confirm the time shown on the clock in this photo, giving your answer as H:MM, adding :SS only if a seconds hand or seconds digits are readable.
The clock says 4:56:17
